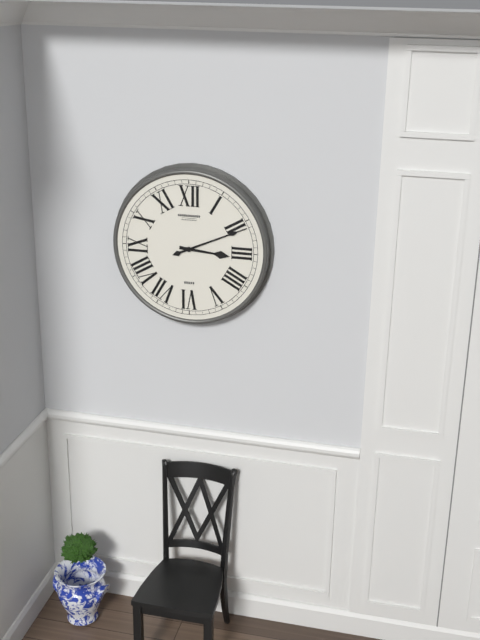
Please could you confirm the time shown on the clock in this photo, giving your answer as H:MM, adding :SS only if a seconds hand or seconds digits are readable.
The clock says 3:11
